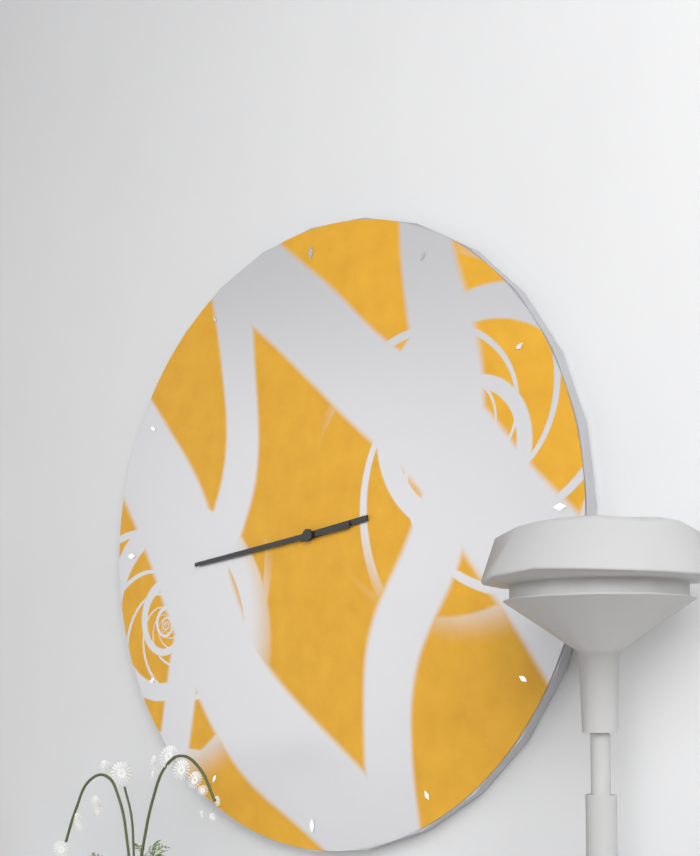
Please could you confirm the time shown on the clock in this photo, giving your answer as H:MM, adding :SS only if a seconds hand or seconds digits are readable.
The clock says 2:44
